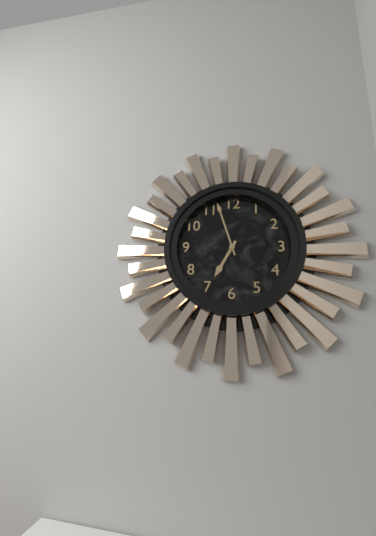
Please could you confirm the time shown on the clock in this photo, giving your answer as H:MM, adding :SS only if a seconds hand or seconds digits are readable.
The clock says 6:57
